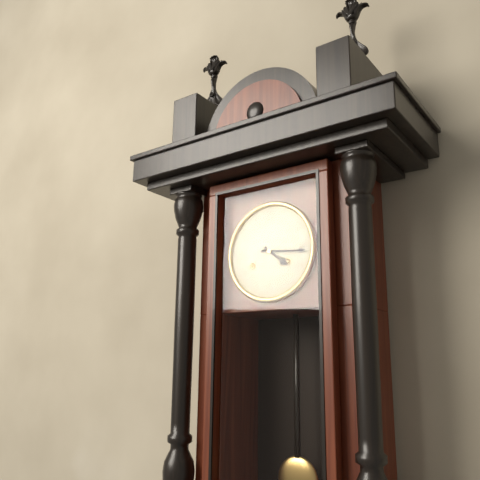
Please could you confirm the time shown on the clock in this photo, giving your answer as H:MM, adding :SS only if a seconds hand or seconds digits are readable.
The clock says 4:16
